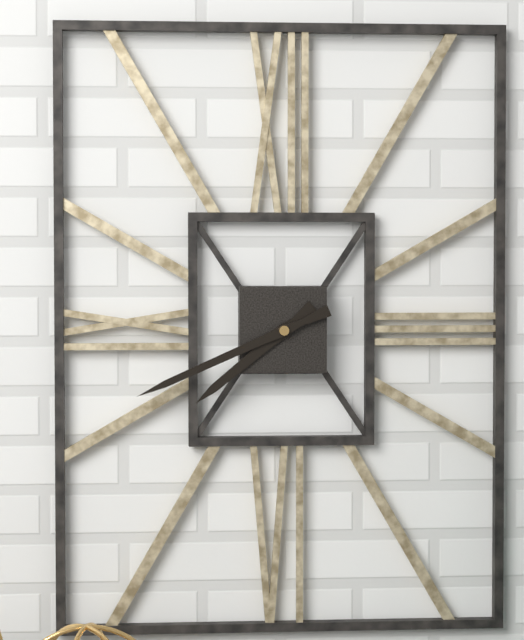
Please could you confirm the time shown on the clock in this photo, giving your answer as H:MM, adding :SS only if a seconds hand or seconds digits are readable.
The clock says 7:41
